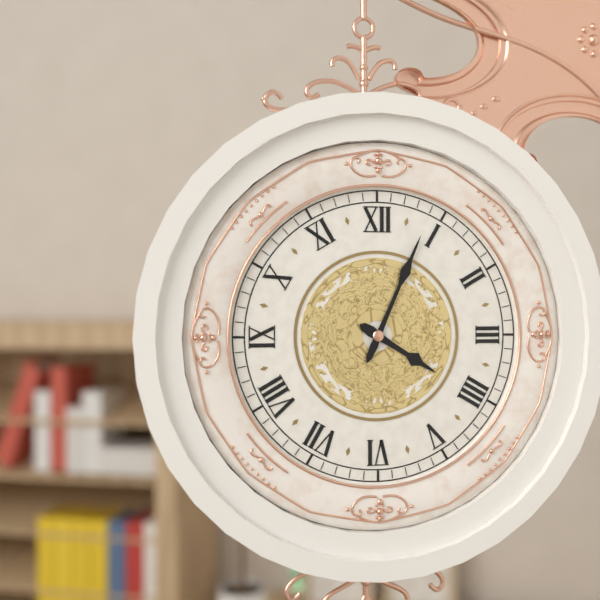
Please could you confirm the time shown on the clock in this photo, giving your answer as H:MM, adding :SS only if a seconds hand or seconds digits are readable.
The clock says 4:04
